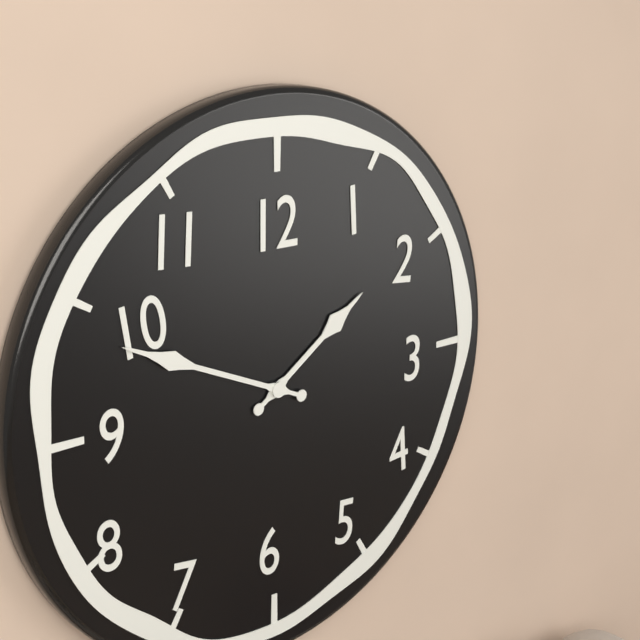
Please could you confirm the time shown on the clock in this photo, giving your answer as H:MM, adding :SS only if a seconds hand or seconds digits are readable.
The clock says 1:49
